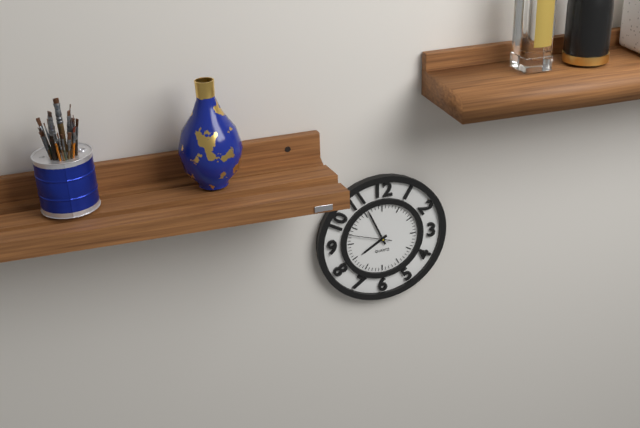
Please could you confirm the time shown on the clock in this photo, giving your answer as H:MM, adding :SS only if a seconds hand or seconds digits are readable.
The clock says 7:56
